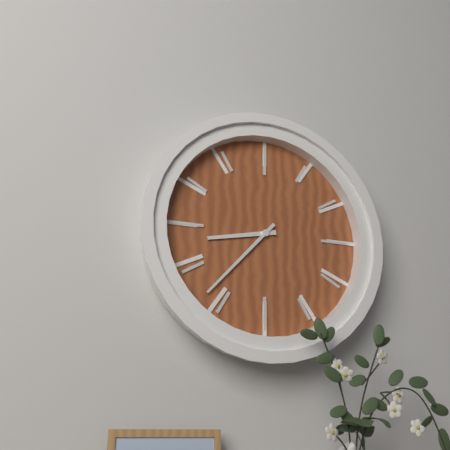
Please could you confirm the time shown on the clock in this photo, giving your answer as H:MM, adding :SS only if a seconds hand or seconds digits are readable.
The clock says 8:37
